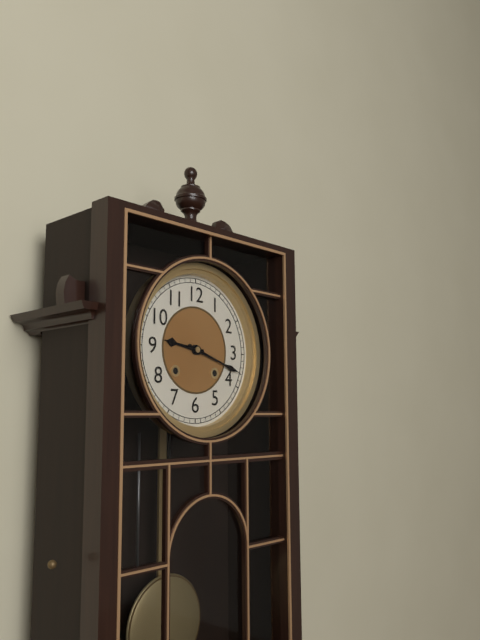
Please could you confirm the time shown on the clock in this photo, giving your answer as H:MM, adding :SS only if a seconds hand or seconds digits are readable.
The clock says 9:18
